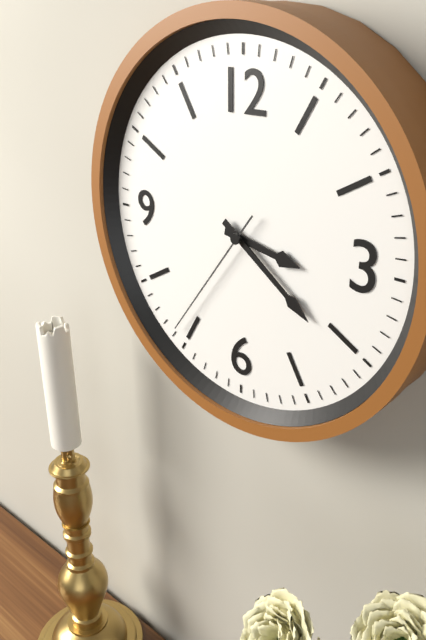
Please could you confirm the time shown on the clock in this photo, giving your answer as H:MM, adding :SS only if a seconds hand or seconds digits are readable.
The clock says 3:21:36
